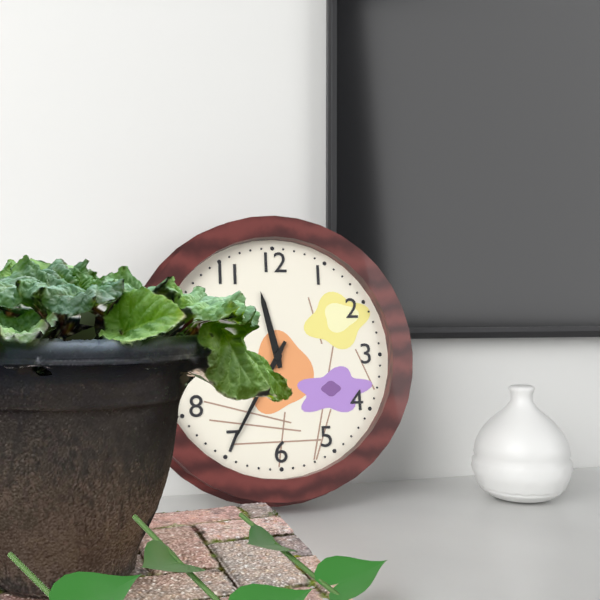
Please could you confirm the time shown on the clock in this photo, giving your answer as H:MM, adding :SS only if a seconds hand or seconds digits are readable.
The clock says 11:35
